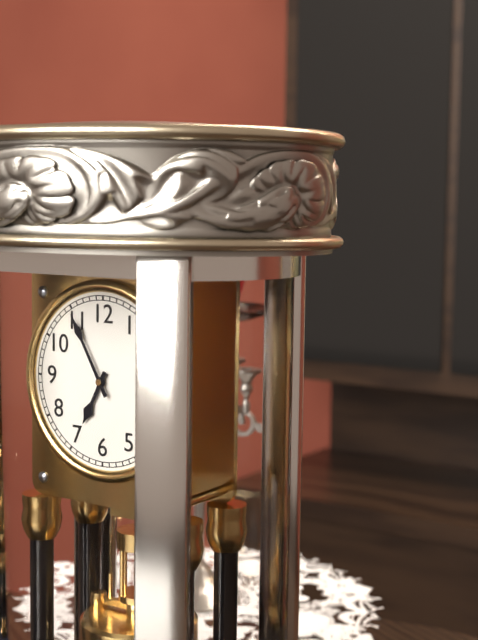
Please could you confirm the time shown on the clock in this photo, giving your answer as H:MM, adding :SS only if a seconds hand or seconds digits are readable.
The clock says 6:55
